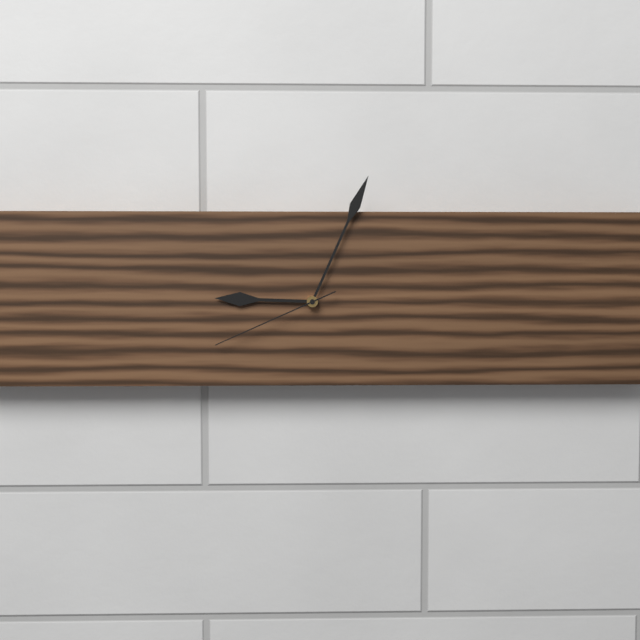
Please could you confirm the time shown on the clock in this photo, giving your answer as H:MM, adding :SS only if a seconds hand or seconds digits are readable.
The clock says 9:04:41
